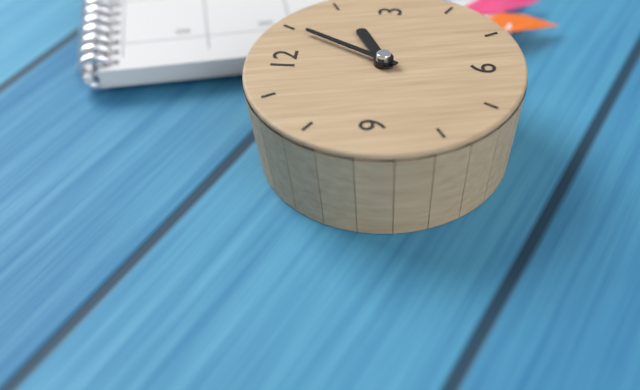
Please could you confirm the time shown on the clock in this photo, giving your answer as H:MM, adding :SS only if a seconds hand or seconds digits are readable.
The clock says 2:05
